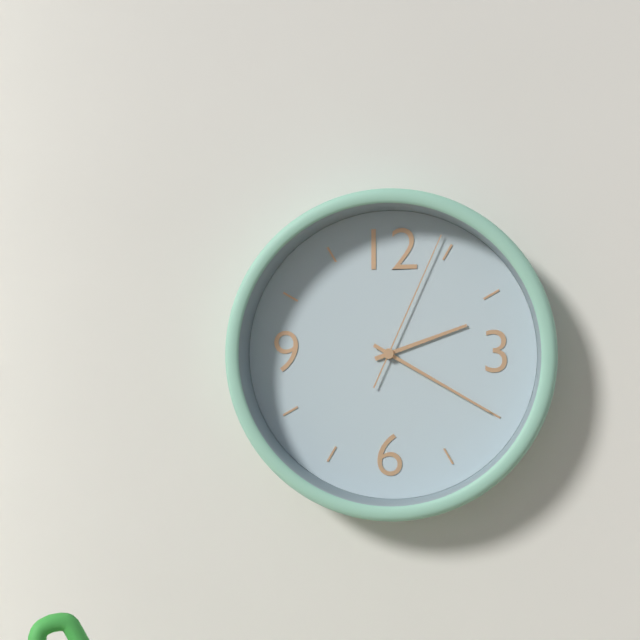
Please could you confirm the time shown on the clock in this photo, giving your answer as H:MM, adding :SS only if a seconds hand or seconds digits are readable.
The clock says 2:20:04
